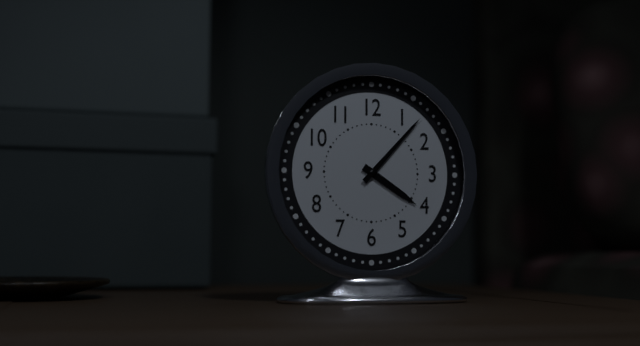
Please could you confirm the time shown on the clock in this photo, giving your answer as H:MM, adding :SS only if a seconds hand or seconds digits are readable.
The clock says 4:07
